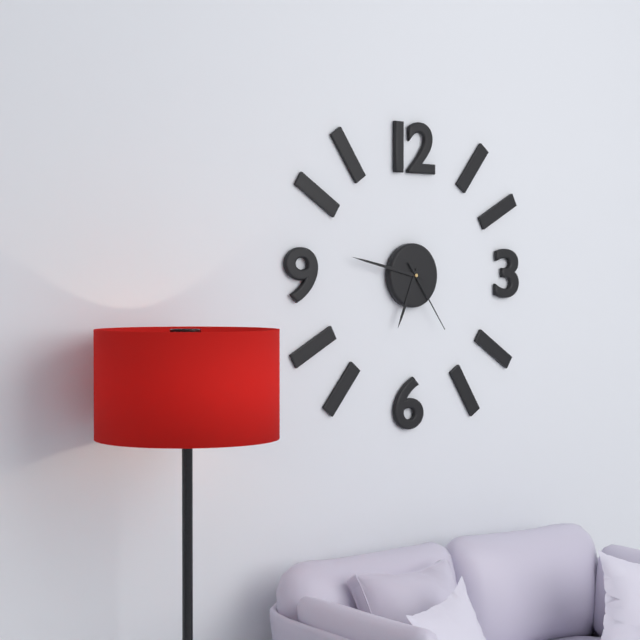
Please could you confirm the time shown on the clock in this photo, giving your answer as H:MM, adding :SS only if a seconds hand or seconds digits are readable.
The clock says 6:47:24
